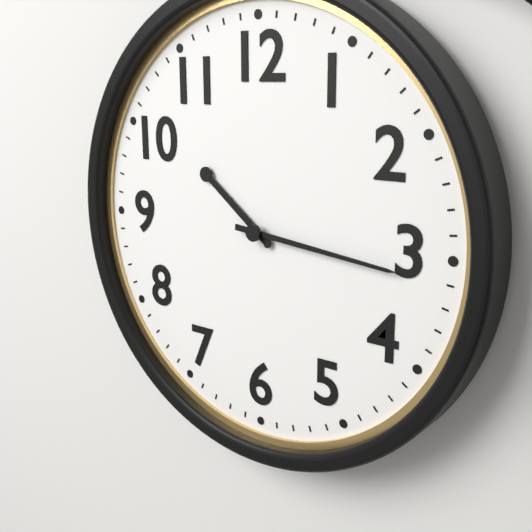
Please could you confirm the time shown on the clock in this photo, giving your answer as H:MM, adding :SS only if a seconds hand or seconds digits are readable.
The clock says 10:16
